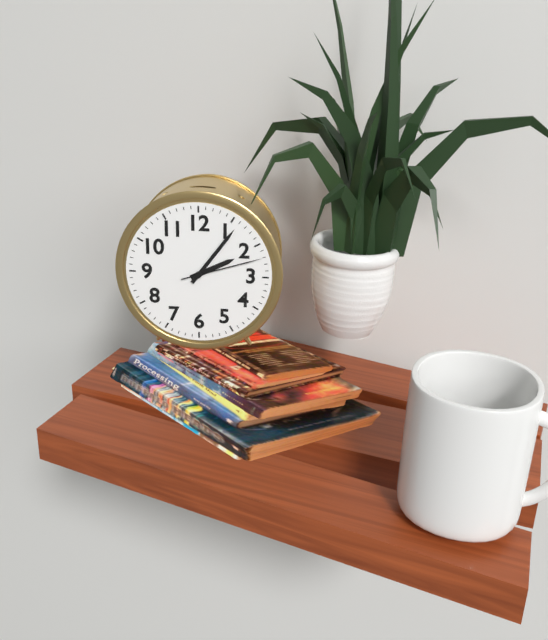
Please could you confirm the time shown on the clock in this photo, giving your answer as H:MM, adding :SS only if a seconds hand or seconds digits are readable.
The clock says 2:06:12
